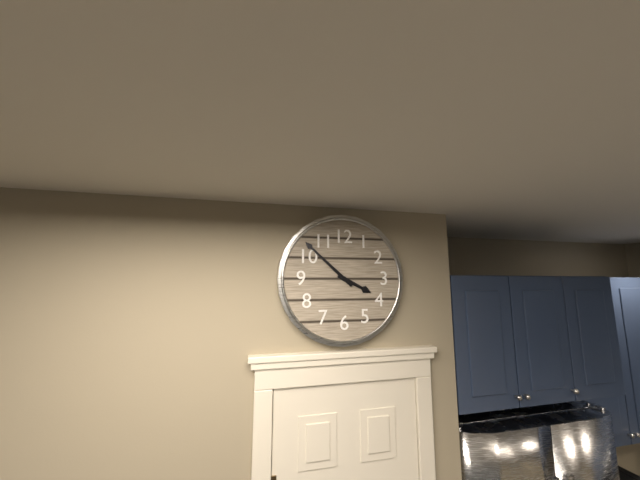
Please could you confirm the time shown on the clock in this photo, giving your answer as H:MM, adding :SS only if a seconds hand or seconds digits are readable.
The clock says 3:52
